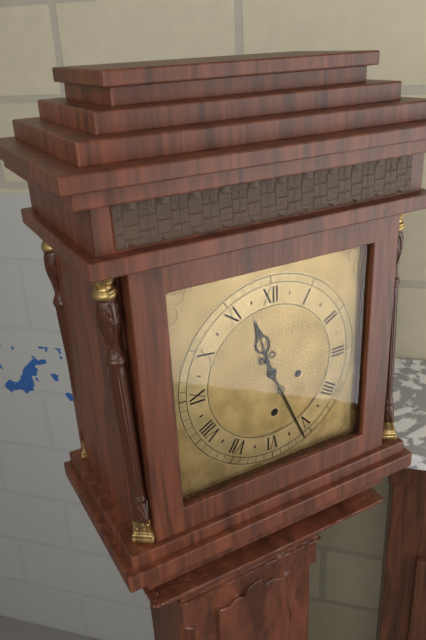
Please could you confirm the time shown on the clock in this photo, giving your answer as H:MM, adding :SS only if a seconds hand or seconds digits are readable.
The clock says 11:26
